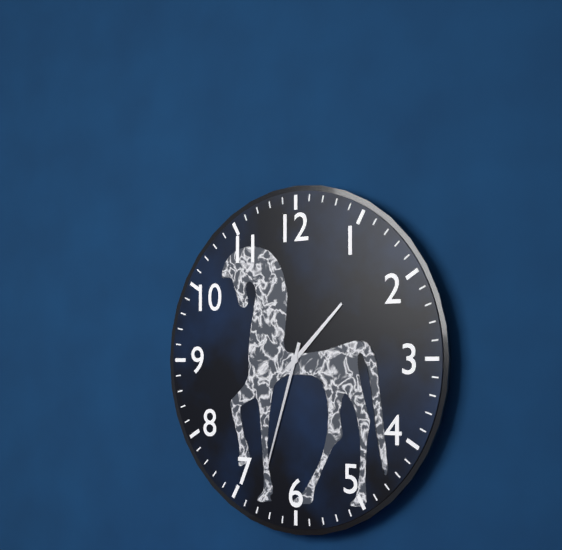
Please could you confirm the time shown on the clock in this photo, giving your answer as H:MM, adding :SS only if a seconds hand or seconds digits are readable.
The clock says 1:33
